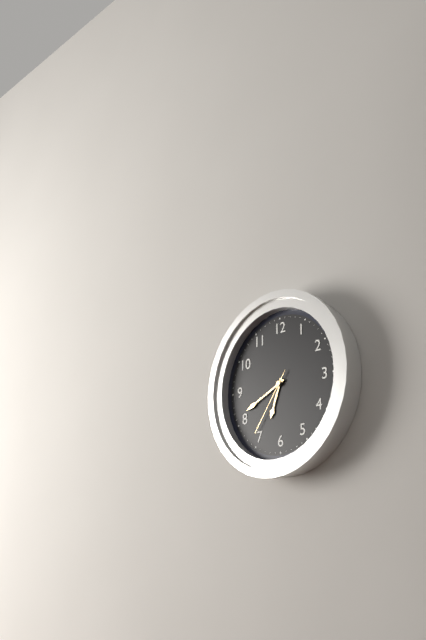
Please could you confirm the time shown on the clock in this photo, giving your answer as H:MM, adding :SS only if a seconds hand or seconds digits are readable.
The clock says 6:41:36
